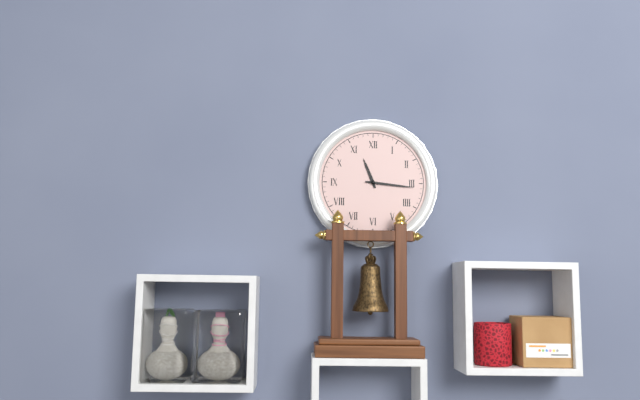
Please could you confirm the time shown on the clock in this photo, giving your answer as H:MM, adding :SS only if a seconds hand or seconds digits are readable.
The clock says 11:16
